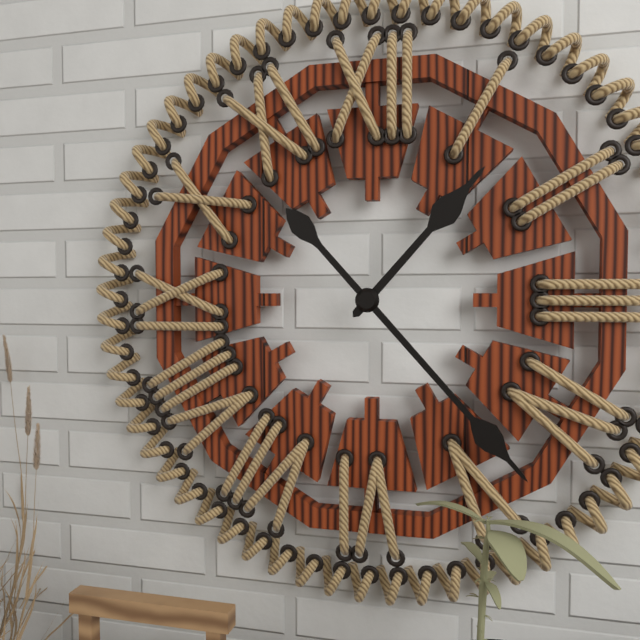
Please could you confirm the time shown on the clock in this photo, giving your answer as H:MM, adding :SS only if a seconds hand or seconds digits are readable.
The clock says 1:23
